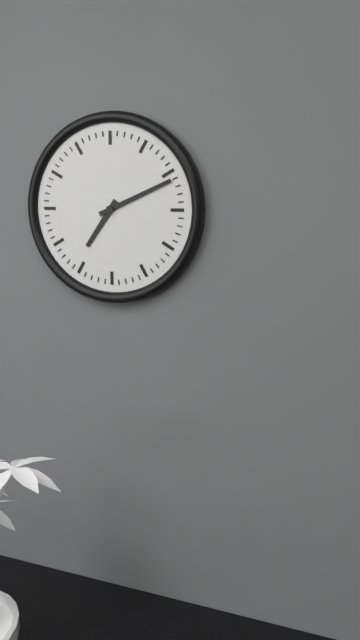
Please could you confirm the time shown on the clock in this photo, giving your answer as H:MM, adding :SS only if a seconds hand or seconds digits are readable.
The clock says 7:11
